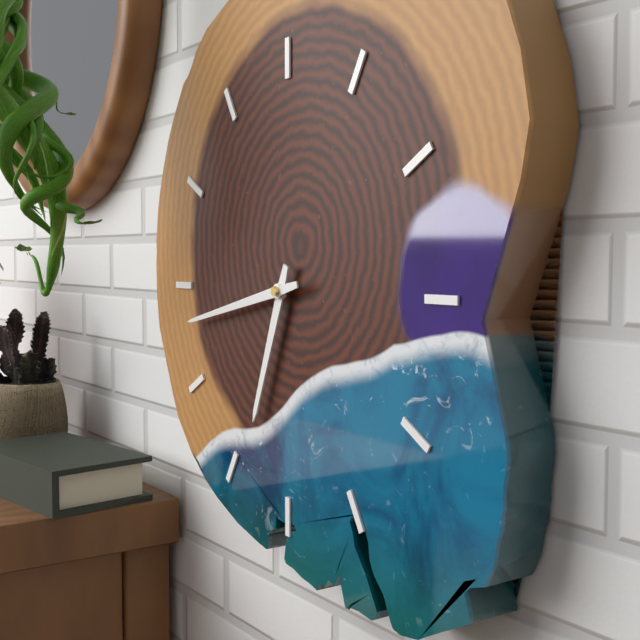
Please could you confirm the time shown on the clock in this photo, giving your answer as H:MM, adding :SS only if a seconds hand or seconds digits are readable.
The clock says 6:43
